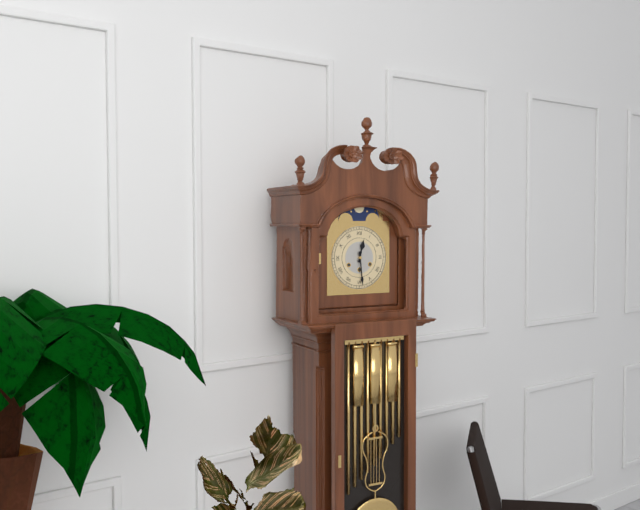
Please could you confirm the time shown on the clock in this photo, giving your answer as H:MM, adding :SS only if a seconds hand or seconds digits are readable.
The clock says 12:29
